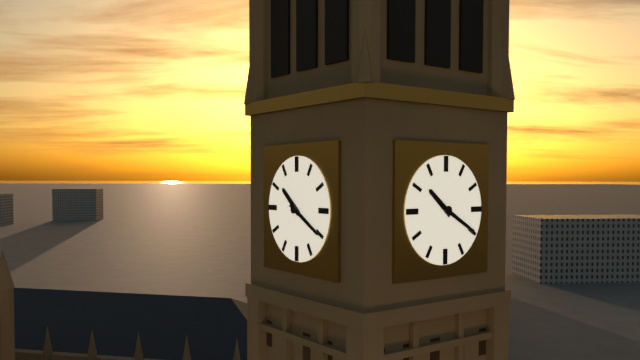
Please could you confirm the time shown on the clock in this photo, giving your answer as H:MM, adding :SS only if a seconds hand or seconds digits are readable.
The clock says 10:20
